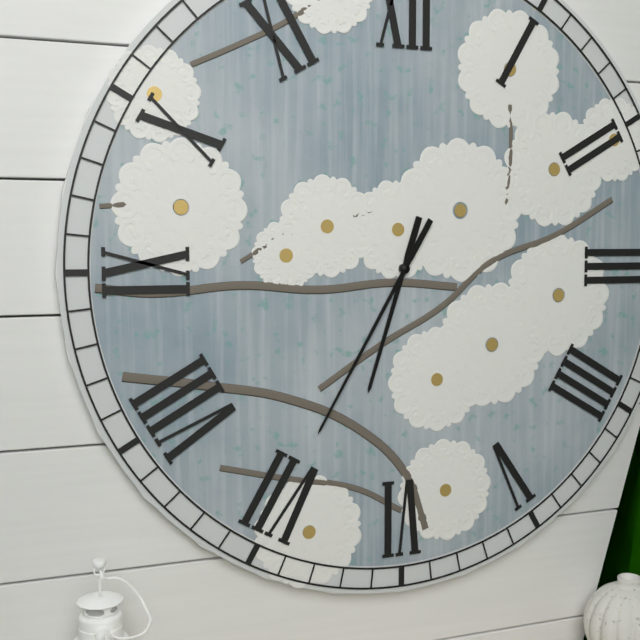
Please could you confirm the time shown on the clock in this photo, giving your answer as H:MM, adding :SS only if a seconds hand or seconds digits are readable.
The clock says 6:35
